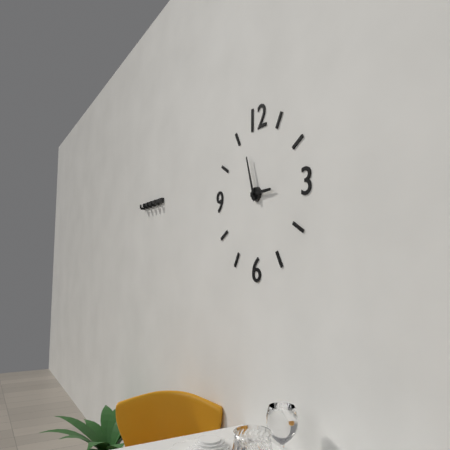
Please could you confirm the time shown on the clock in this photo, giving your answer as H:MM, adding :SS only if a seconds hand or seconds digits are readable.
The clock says 2:57
